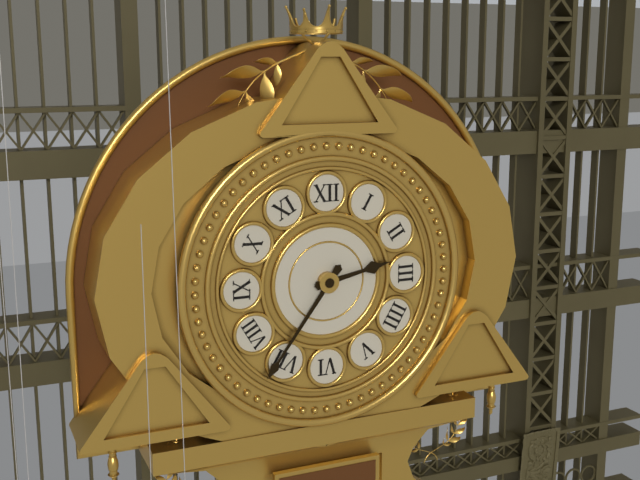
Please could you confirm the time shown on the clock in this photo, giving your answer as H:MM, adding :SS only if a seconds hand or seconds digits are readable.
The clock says 2:36
